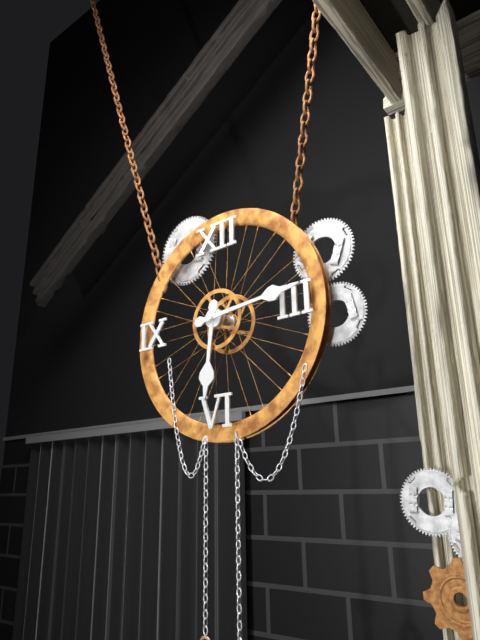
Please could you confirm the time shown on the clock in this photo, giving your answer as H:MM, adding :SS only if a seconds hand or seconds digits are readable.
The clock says 6:14
